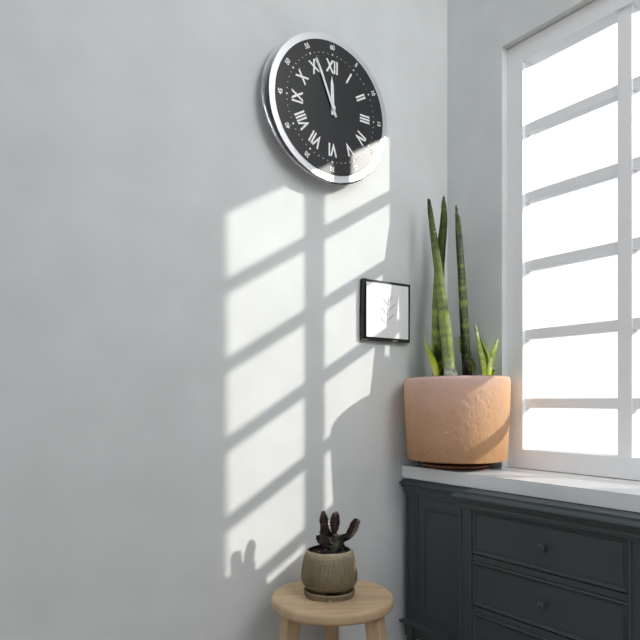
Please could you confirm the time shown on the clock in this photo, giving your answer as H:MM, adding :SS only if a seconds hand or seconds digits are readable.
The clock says 11:56
